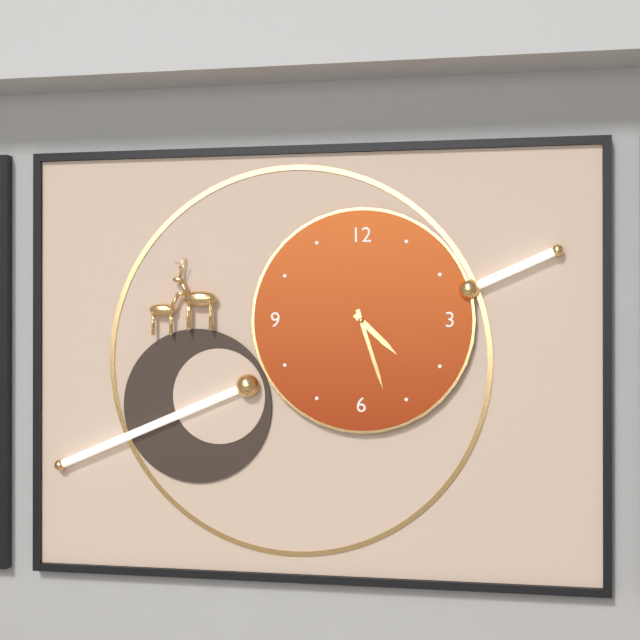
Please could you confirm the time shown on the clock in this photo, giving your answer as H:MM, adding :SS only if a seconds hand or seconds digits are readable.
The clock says 4:27
